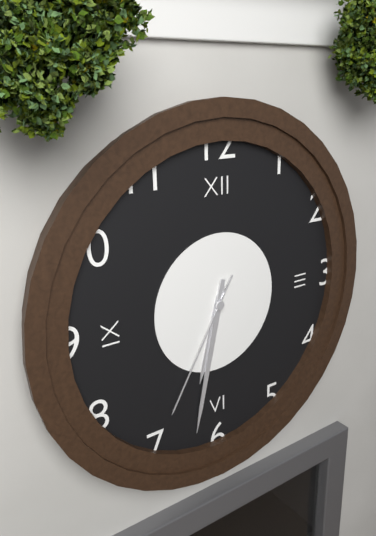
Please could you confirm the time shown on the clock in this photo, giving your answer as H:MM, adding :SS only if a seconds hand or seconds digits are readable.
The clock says 6:32:35
